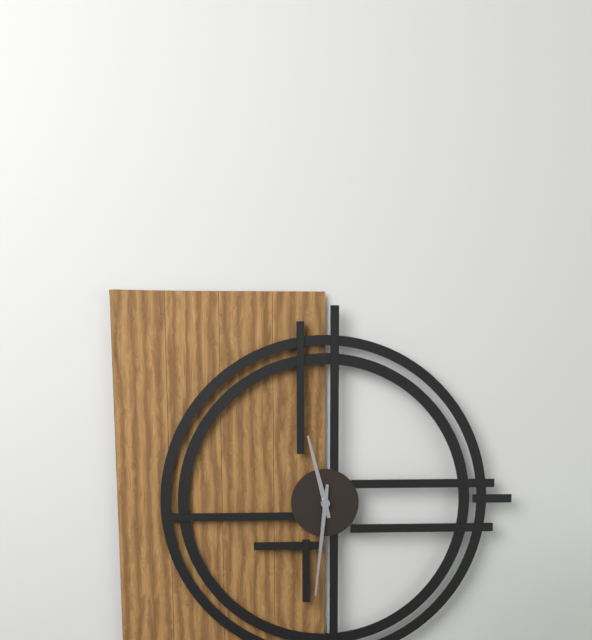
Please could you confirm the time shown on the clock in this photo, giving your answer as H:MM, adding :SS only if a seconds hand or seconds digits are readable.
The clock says 11:31
